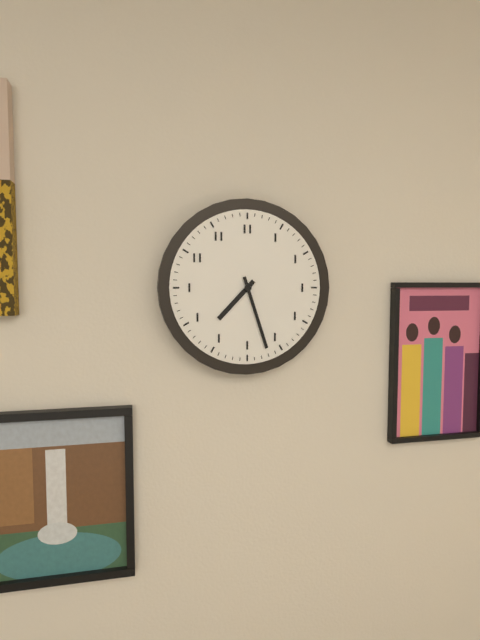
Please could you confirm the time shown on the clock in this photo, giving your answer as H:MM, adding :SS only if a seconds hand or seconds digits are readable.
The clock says 7:27
